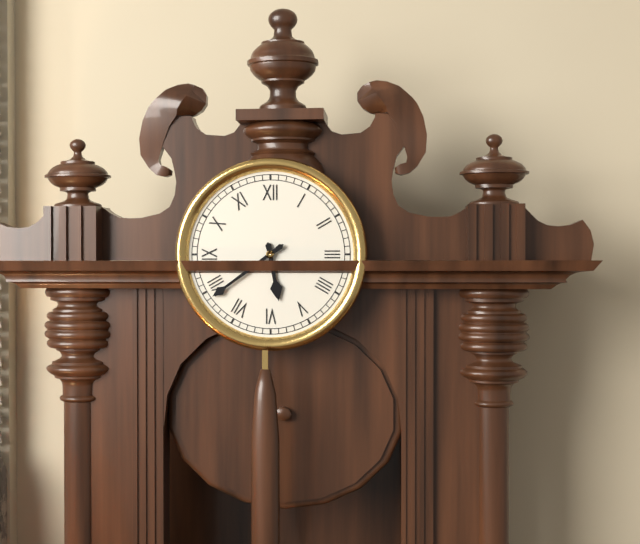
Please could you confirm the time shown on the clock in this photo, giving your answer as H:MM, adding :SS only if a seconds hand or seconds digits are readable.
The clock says 5:39
